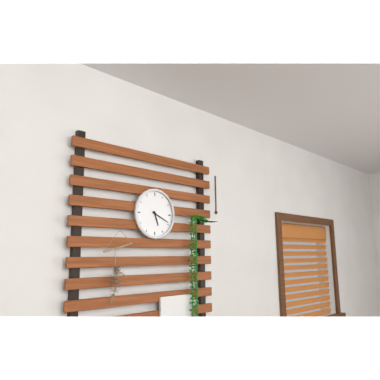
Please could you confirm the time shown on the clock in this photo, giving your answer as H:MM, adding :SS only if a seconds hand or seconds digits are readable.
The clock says 5:19
